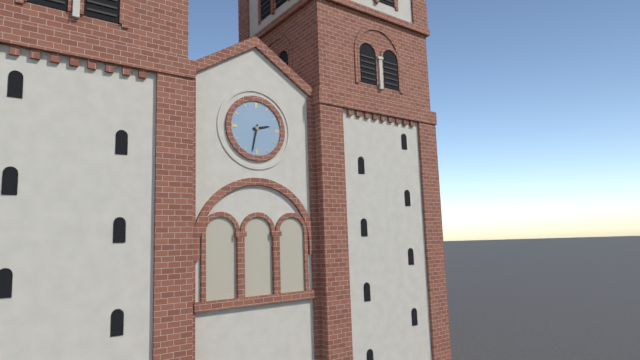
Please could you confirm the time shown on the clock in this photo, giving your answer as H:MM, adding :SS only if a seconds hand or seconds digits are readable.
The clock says 2:32
